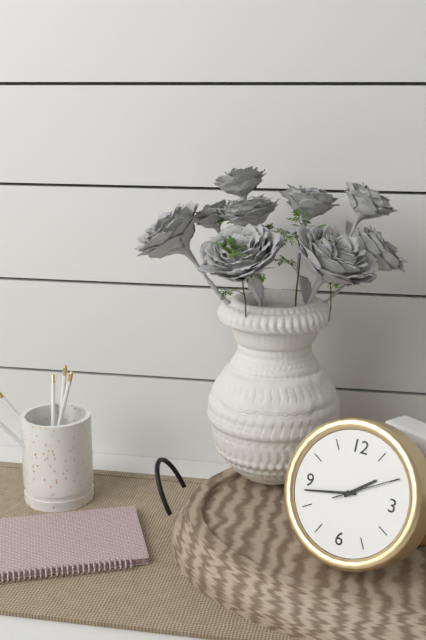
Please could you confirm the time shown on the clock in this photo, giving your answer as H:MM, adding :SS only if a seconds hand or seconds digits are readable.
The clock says 1:43:10
